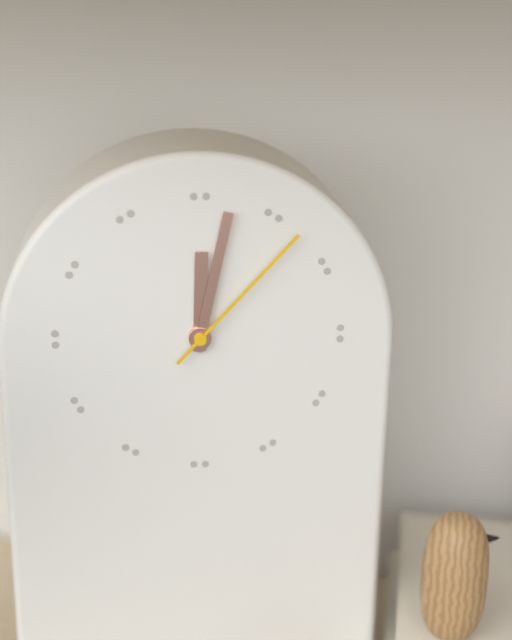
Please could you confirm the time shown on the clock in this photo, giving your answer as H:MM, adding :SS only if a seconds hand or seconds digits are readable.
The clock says 12:02:07
